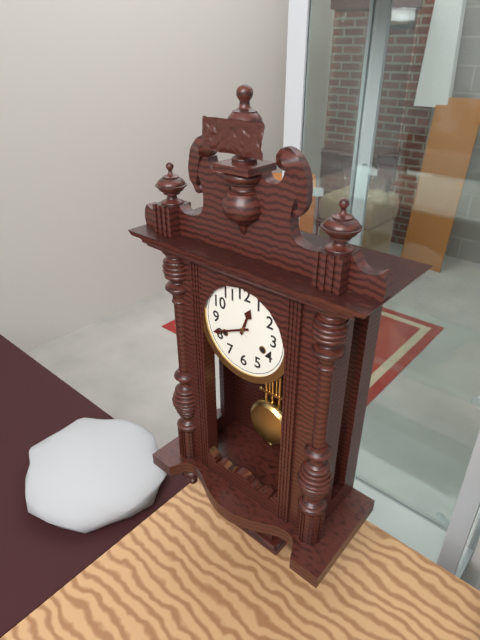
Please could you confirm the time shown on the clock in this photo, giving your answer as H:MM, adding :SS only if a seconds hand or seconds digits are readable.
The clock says 12:41
